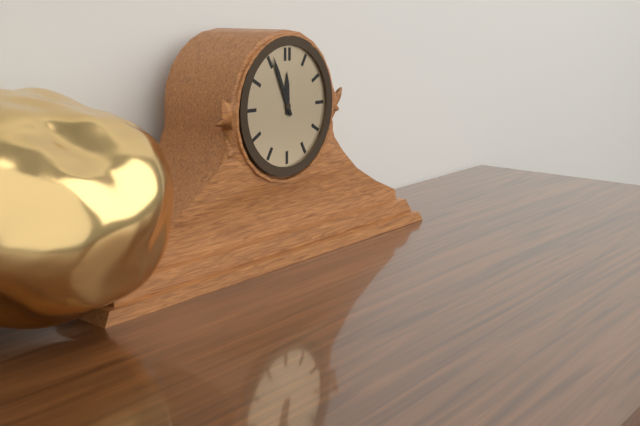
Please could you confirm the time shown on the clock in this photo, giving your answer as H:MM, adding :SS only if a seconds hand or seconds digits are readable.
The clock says 11:56
